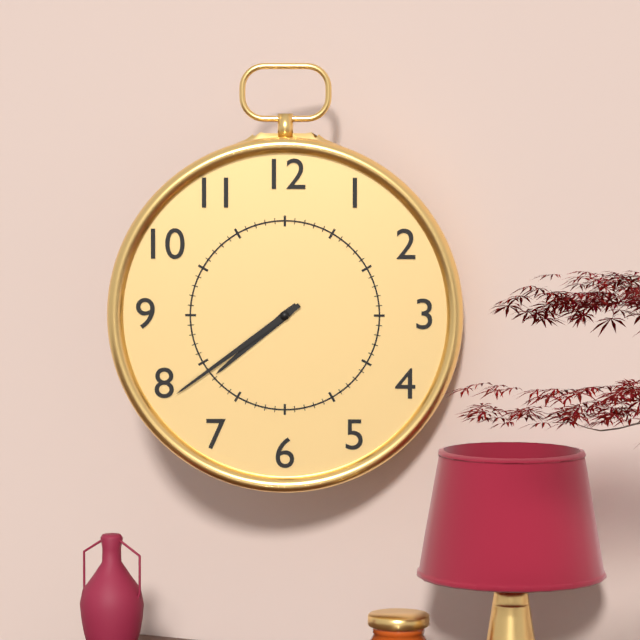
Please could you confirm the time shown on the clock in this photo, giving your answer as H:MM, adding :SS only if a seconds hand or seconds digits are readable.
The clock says 7:39
